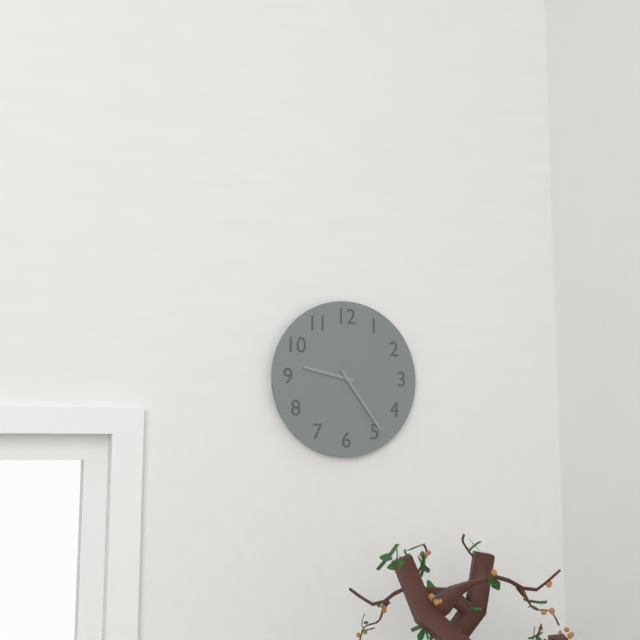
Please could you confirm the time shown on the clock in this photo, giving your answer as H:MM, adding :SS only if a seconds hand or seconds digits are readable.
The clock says 9:24
